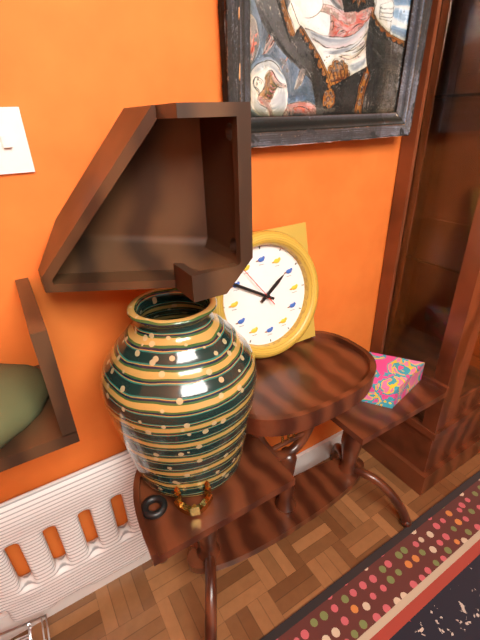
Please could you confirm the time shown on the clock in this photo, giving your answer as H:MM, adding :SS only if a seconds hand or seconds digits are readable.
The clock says 1:50:54
